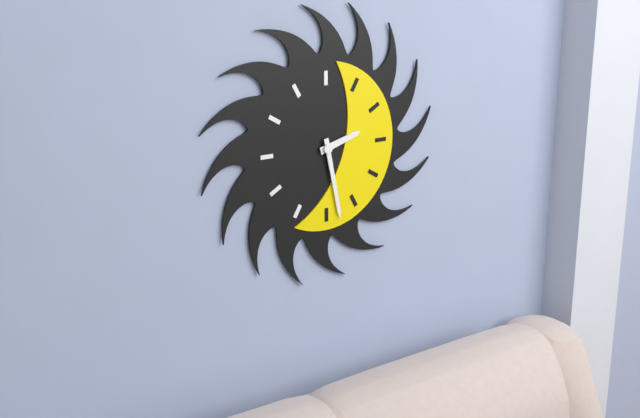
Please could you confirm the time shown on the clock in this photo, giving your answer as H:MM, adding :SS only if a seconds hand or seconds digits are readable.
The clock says 2:28
